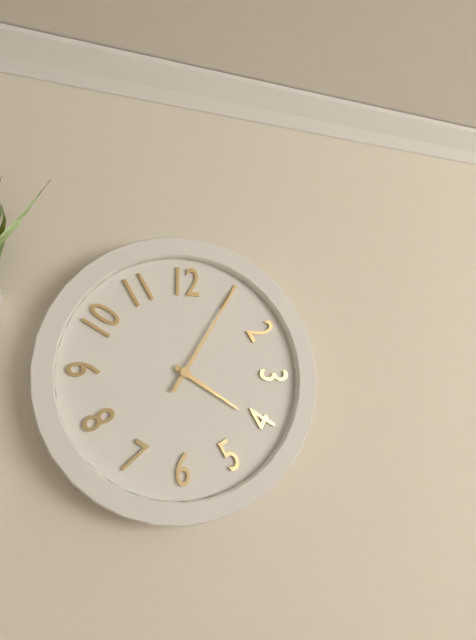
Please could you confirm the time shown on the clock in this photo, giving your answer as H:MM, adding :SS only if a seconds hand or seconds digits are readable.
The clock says 4:05
